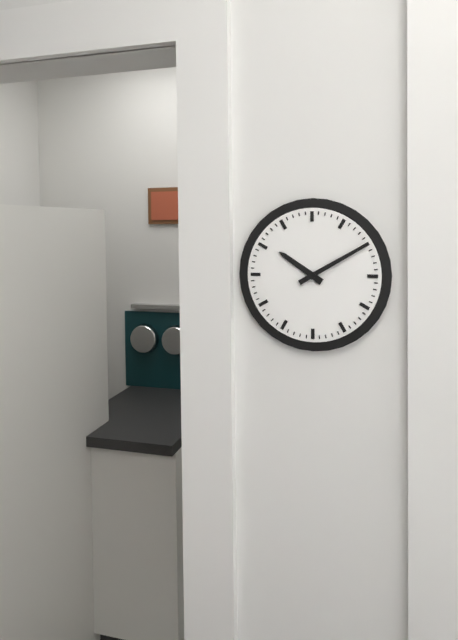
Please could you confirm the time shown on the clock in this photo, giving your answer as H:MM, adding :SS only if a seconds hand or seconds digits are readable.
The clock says 10:10
